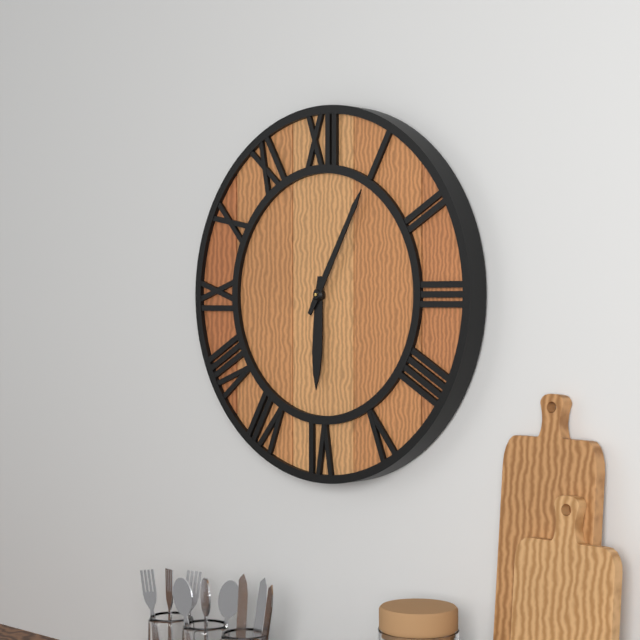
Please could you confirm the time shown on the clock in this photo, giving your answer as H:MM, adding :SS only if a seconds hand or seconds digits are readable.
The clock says 6:05
